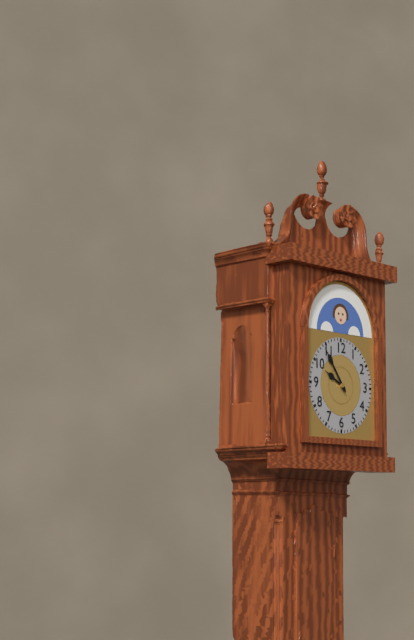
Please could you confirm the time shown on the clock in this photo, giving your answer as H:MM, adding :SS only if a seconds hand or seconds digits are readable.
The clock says 9:54
